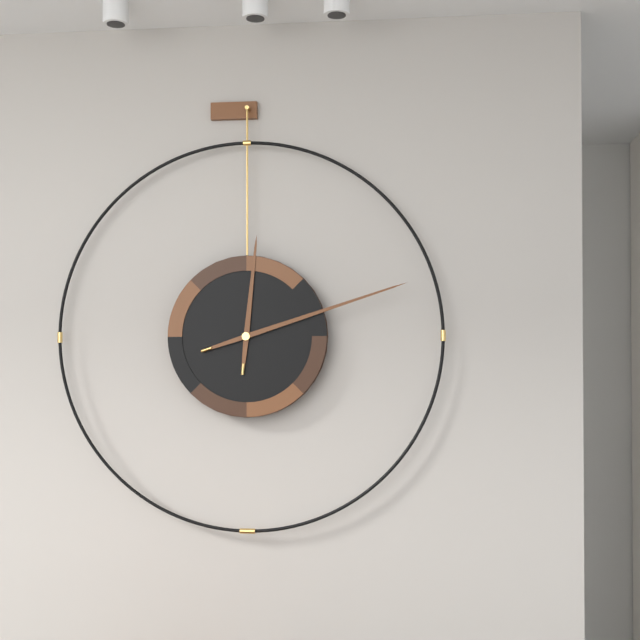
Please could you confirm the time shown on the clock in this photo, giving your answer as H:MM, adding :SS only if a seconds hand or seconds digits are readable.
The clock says 12:12
